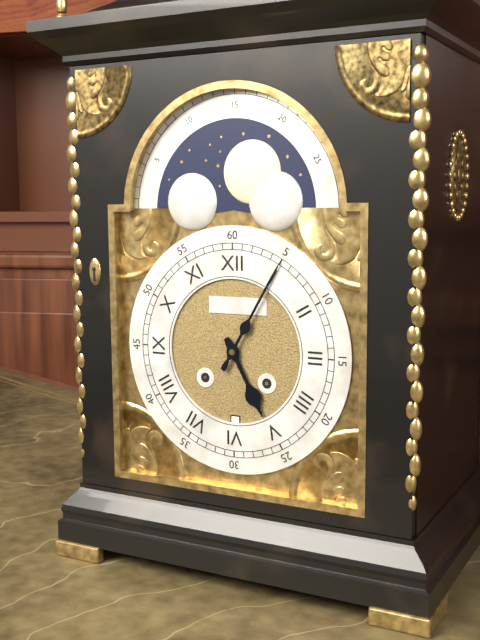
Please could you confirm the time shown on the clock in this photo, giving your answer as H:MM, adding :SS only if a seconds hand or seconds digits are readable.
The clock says 5:05
